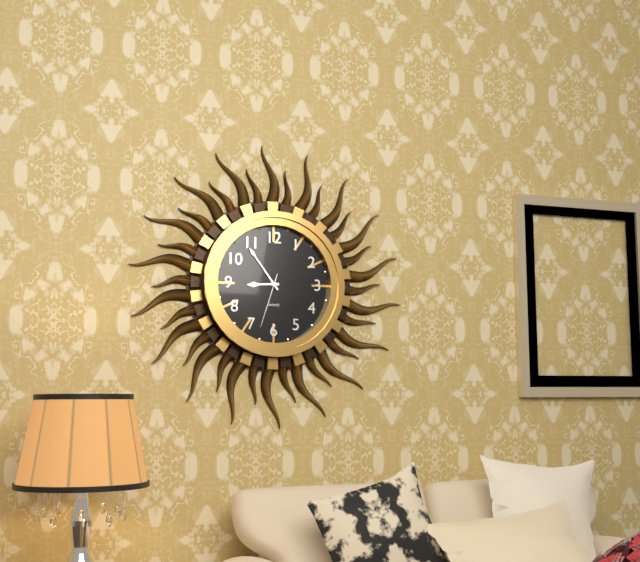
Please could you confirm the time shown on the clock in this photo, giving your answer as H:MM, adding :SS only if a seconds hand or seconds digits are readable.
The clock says 8:54:33
